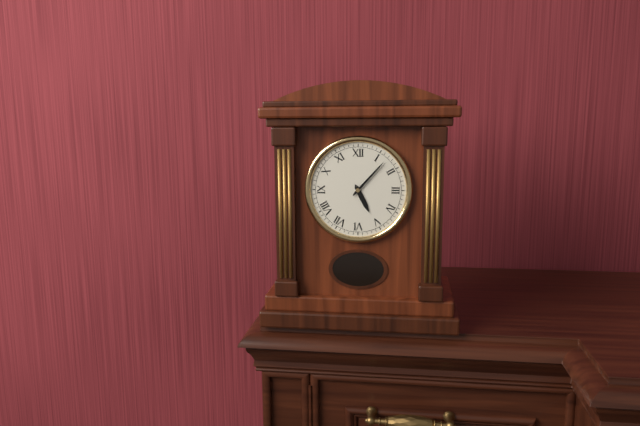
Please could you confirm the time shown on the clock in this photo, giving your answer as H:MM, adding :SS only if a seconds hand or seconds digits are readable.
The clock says 5:07
